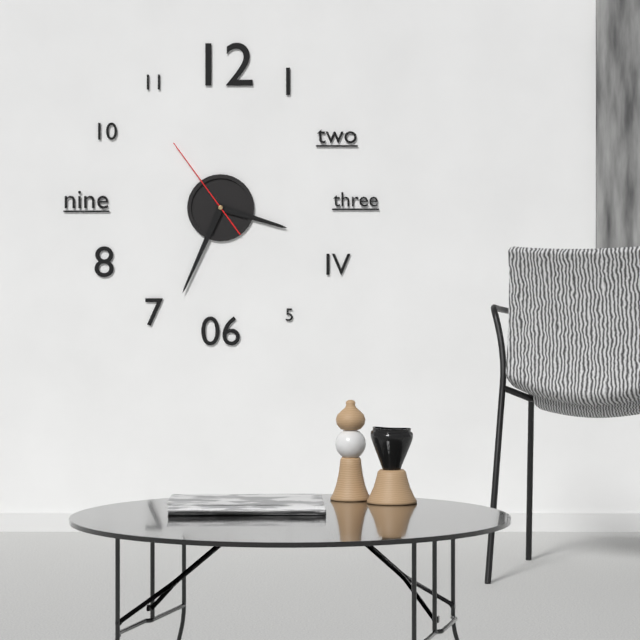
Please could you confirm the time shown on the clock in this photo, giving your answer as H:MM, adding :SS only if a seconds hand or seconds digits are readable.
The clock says 3:34:54
